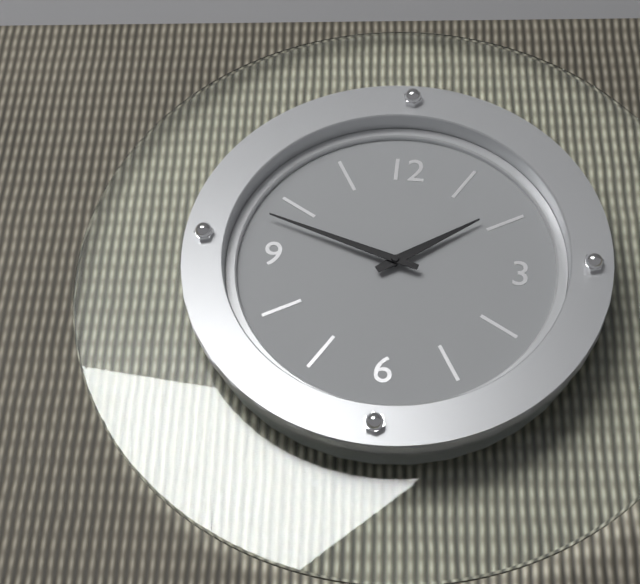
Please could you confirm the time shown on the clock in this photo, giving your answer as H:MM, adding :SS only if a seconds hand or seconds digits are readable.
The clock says 1:48
